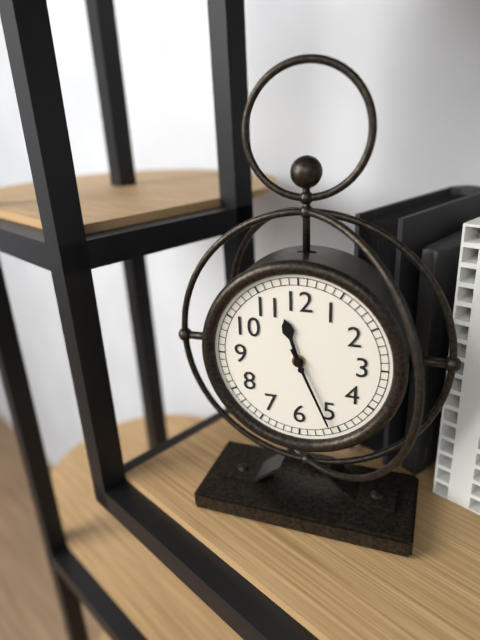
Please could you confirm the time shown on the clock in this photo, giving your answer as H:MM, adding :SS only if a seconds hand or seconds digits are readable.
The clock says 11:26
